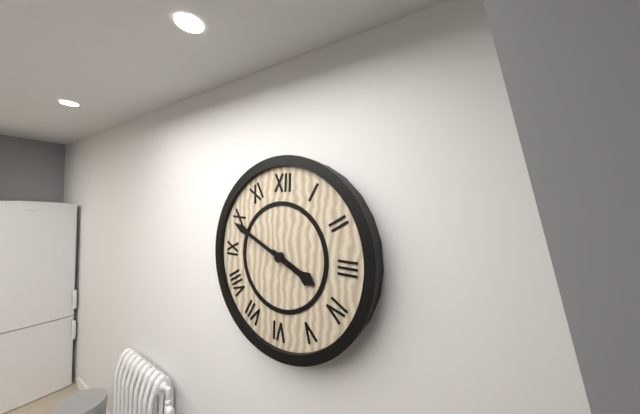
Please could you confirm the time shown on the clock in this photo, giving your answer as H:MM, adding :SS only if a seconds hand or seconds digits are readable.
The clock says 3:49
